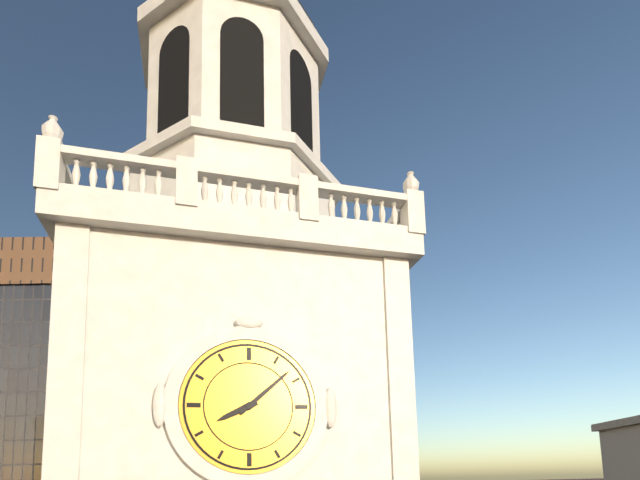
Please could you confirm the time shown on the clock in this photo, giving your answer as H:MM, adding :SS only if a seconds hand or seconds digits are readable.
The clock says 8:08
